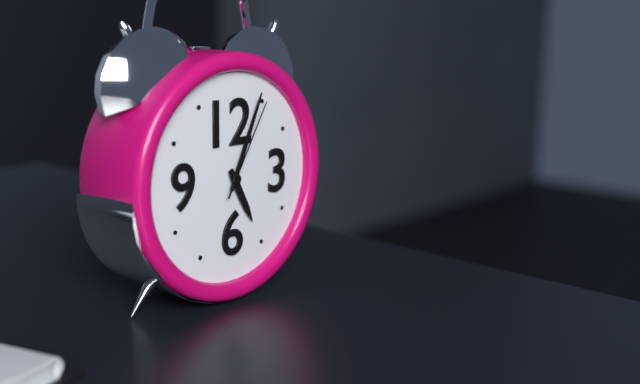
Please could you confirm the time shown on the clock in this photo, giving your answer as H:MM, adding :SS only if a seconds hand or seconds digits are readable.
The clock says 5:04:05
